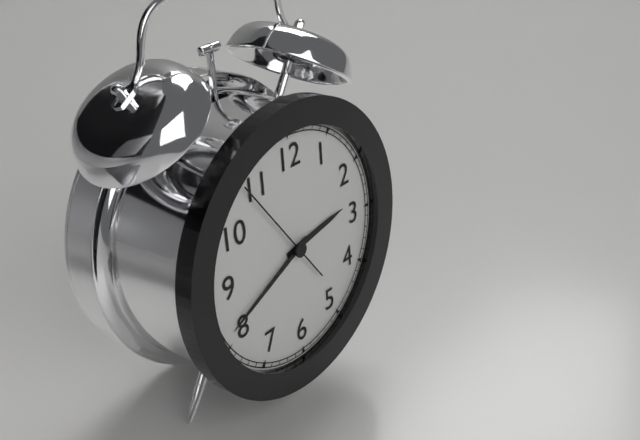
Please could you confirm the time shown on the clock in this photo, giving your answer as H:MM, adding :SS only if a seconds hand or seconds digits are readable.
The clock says 2:41:54
